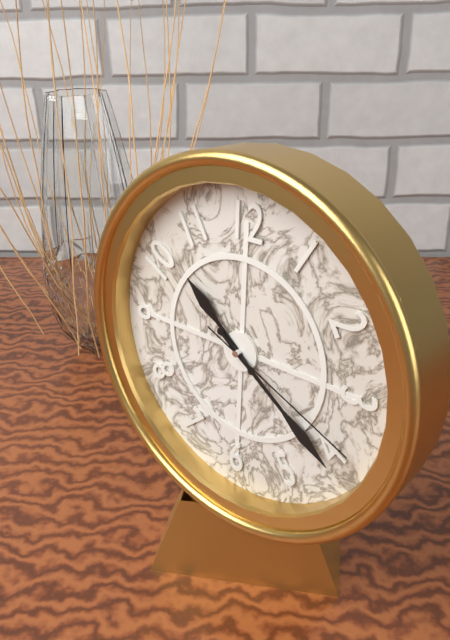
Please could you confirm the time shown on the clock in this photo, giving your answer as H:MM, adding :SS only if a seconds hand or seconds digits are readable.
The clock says 10:21:19
